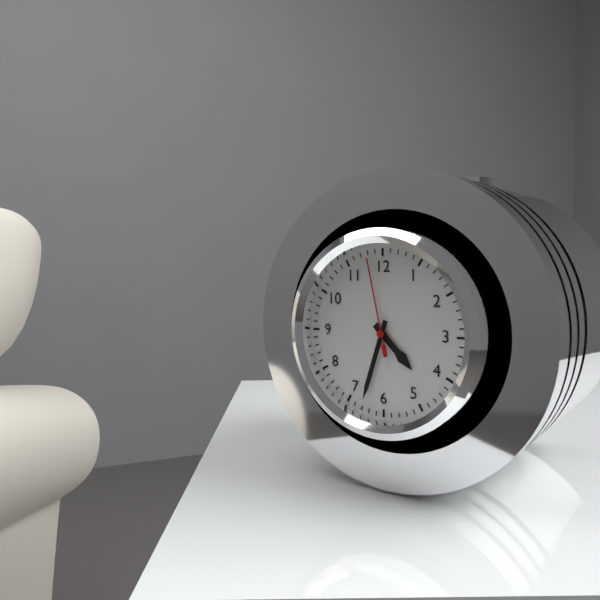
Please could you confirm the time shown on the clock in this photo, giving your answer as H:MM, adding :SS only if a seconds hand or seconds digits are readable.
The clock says 4:33:58
